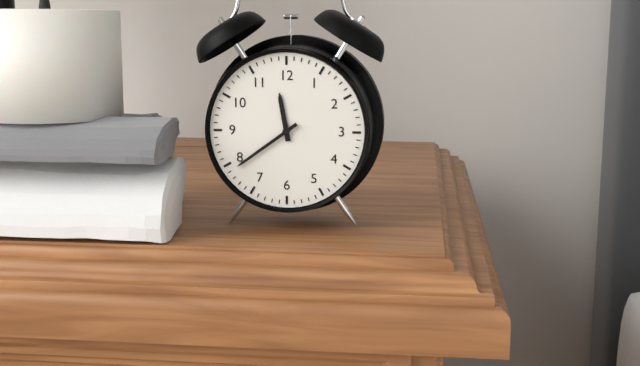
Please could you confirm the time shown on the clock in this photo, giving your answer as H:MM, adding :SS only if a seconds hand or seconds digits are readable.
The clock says 11:39
